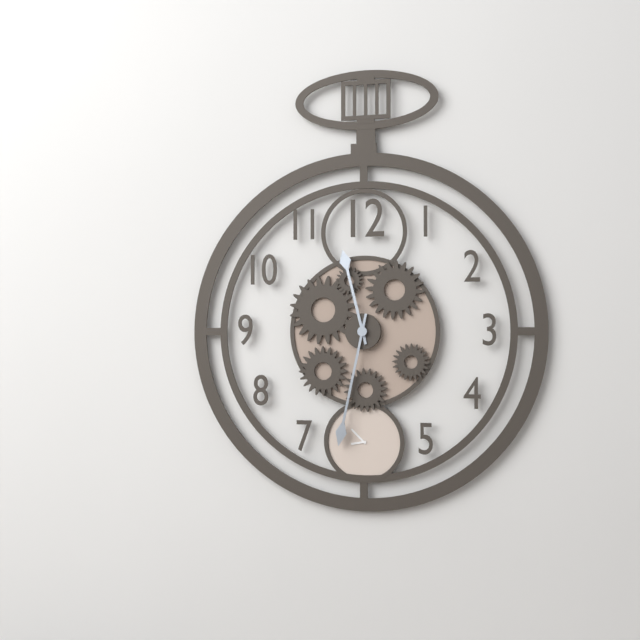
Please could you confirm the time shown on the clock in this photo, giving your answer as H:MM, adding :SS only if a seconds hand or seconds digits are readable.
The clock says 11:32
